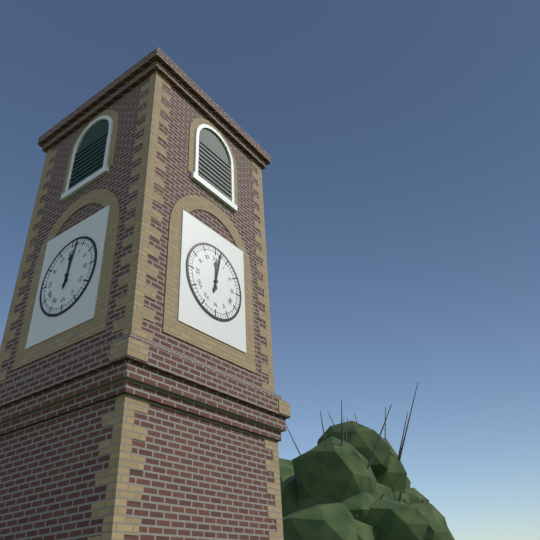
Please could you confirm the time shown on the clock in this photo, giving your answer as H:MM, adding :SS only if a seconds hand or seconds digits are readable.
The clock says 12:02
